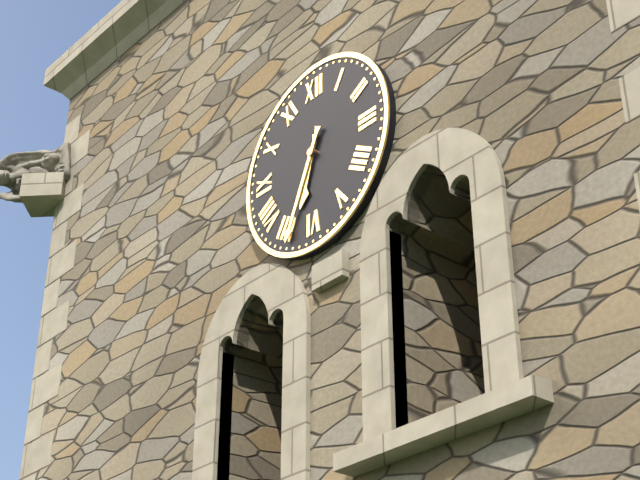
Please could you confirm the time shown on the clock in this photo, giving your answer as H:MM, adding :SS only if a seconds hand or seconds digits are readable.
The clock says 6:34
